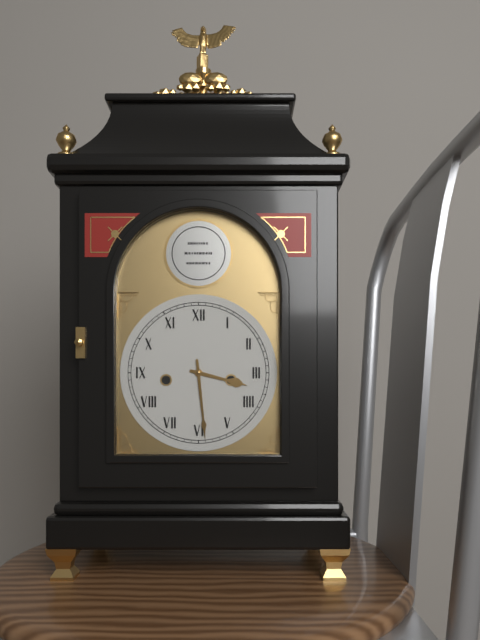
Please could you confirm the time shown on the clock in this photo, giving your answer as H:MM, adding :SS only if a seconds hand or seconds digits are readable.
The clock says 3:29
